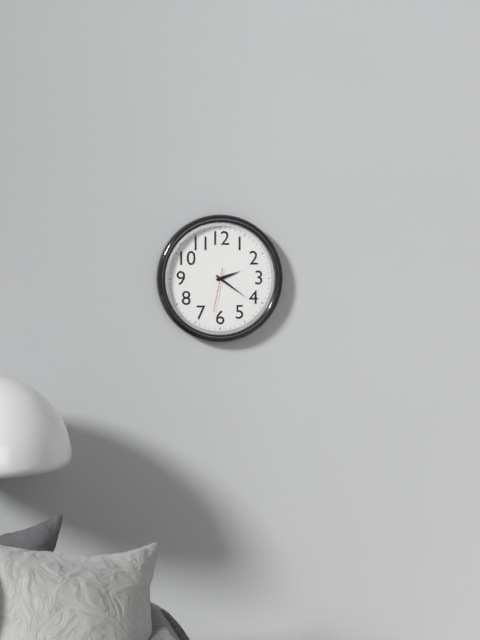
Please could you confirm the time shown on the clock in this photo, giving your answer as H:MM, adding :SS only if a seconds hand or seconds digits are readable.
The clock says 2:21
